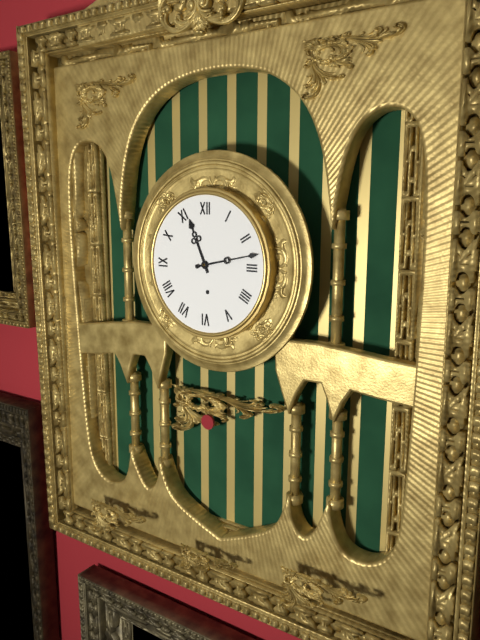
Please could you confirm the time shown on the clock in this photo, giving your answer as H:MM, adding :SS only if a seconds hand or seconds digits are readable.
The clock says 11:13
